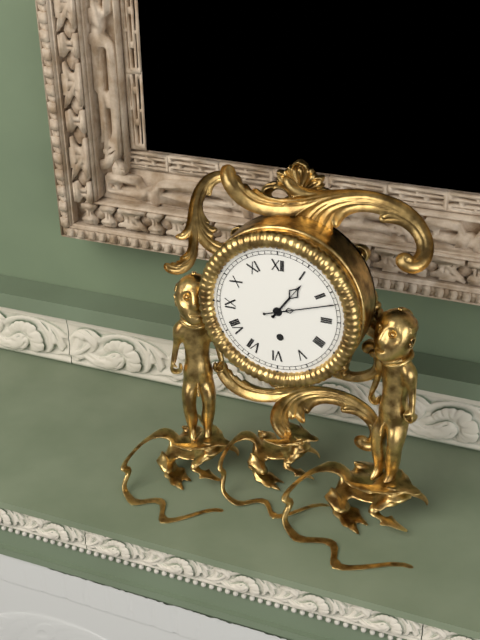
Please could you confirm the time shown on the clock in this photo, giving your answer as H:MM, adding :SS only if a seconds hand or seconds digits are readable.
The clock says 1:12
